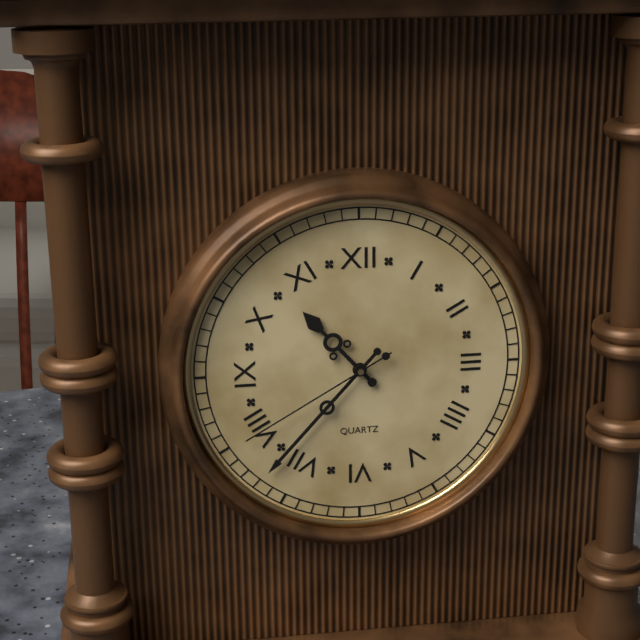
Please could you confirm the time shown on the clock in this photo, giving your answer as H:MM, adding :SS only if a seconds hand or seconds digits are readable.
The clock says 10:37:40
